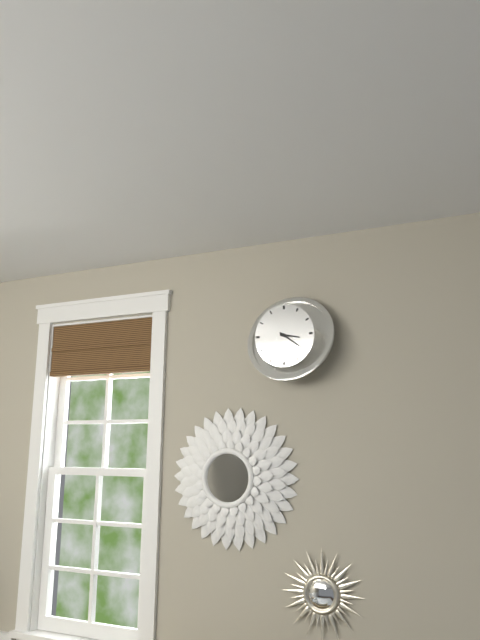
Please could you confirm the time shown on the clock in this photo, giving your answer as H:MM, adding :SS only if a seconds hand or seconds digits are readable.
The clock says 3:21
